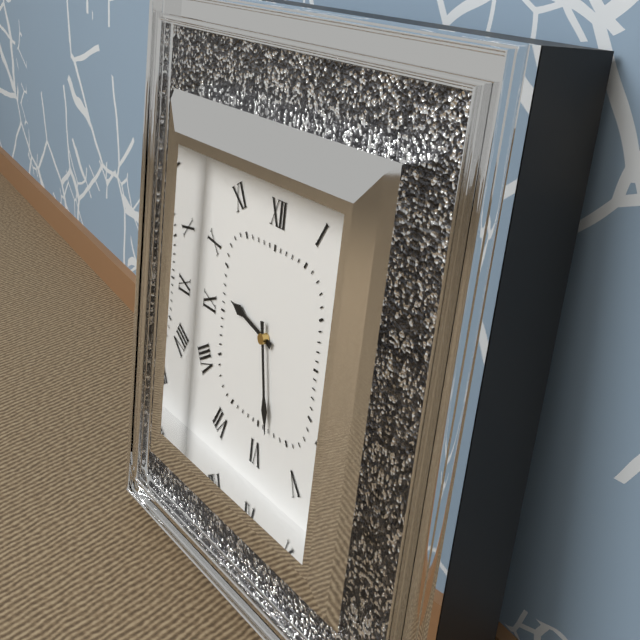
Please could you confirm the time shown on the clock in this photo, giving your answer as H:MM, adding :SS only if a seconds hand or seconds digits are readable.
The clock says 9:28
